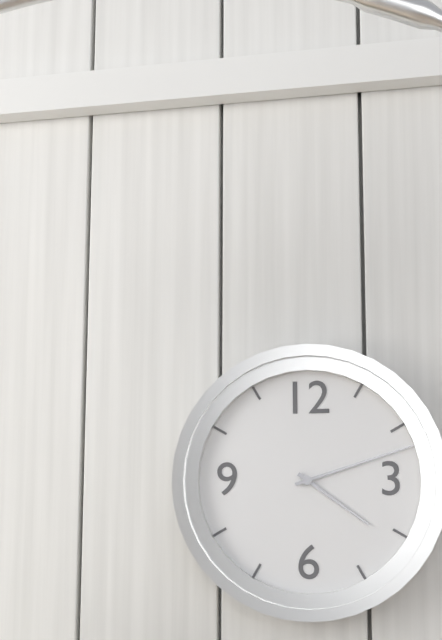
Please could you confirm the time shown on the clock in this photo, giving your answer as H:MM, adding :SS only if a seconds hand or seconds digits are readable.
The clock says 4:12
